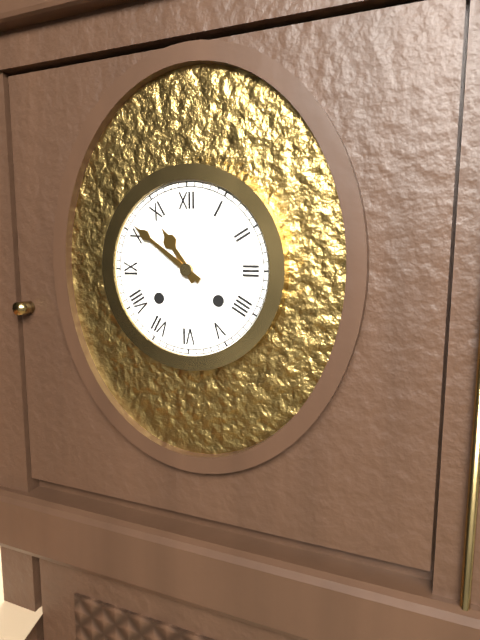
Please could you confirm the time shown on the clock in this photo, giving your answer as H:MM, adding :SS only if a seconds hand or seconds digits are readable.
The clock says 10:51
